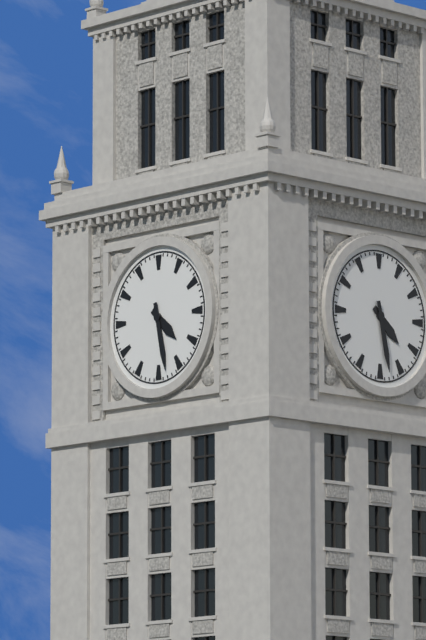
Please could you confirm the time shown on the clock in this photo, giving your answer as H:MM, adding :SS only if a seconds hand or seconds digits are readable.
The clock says 4:28
